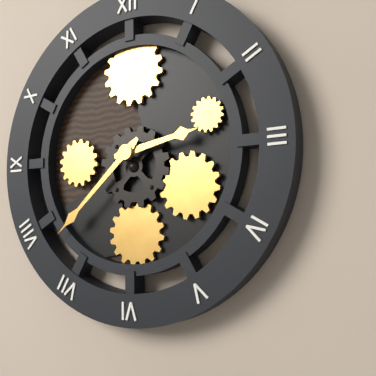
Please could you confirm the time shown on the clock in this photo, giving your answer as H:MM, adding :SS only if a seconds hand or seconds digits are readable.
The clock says 2:38
